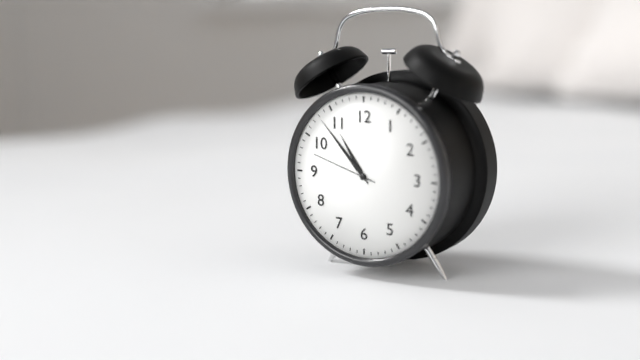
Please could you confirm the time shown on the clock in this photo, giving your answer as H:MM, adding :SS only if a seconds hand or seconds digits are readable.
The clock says 10:53:48
